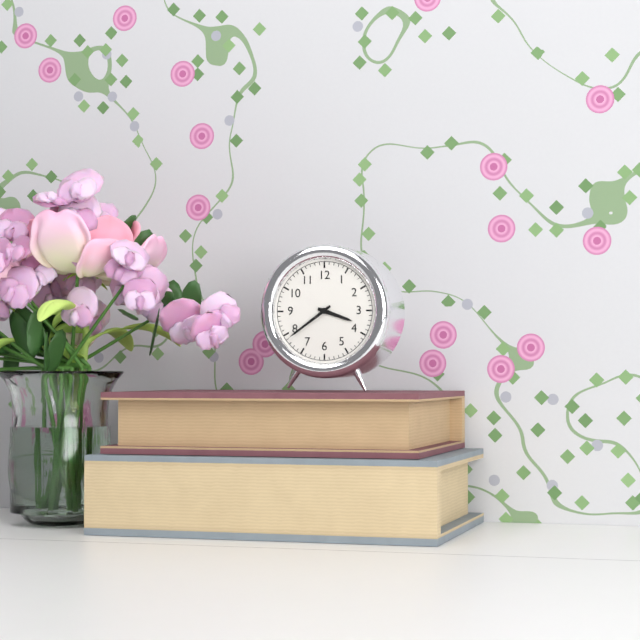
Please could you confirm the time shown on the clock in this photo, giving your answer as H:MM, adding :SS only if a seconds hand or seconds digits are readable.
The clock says 3:39
